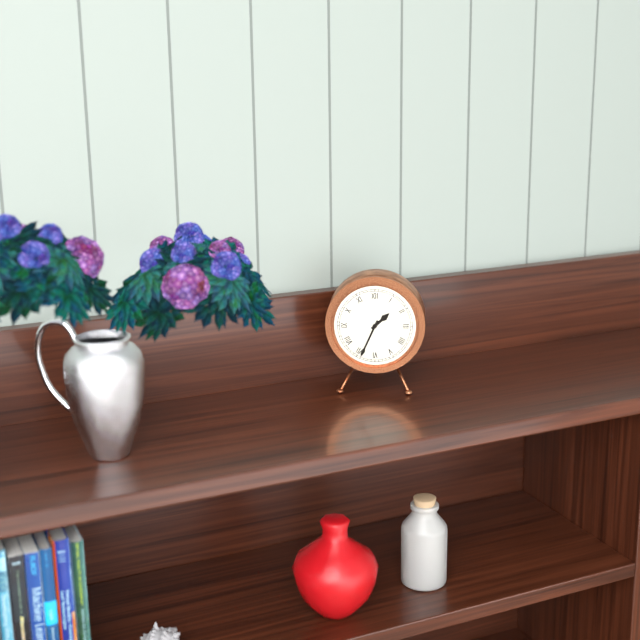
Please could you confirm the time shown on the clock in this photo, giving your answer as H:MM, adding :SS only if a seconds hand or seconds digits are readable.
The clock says 1:34
